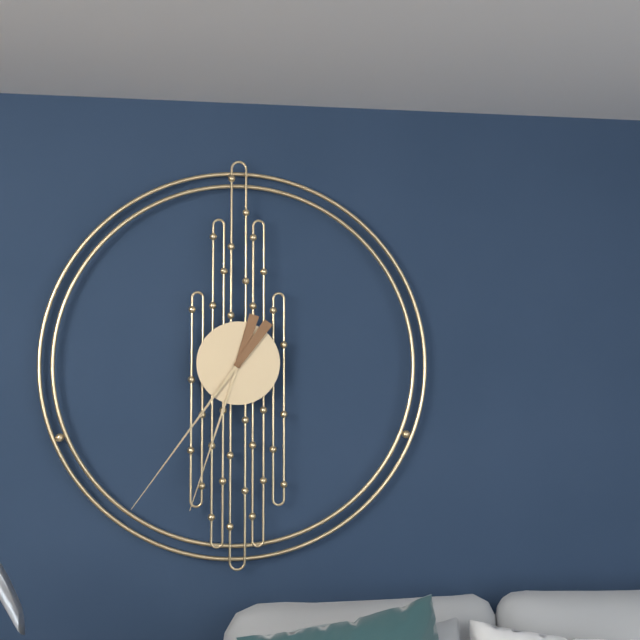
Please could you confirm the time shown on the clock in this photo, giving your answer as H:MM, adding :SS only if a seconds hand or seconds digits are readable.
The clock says 6:36
